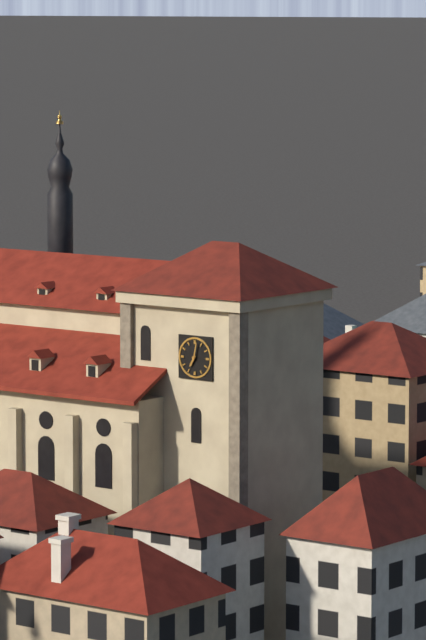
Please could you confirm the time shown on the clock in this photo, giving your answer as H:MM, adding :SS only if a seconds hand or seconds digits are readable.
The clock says 7:02
